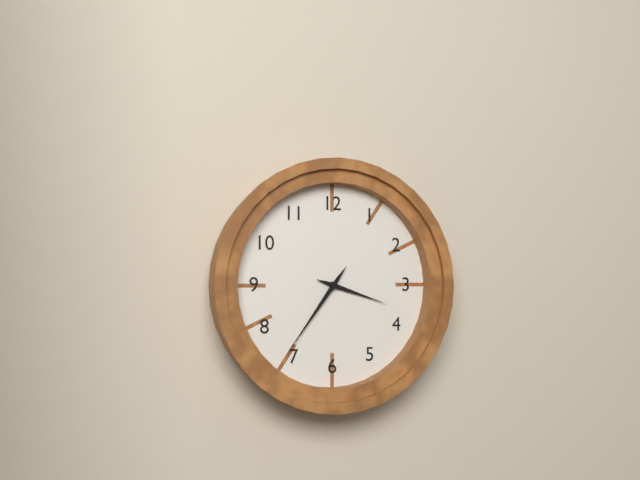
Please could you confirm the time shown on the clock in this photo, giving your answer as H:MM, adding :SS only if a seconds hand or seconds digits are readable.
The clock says 3:36
